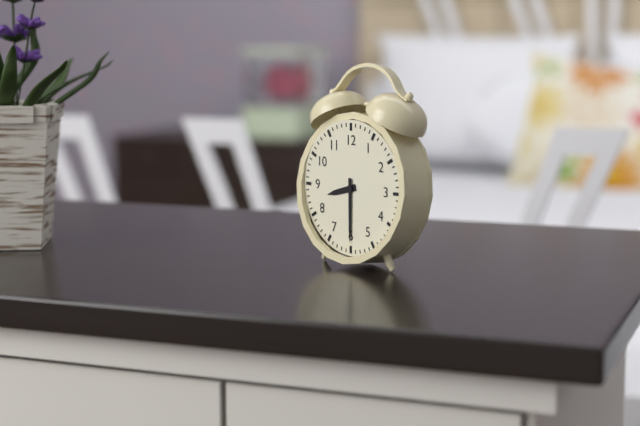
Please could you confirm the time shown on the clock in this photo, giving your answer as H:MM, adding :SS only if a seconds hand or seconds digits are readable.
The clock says 8:30
